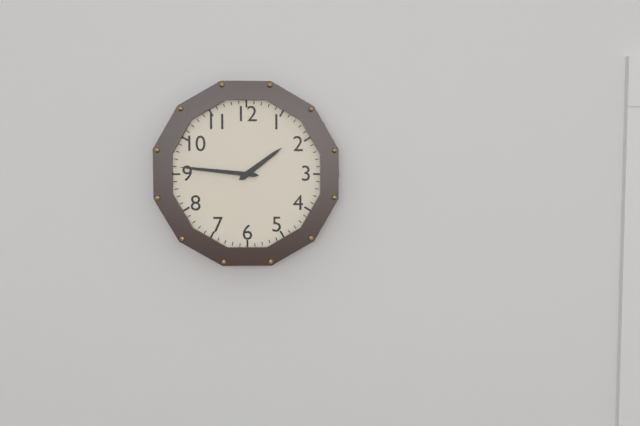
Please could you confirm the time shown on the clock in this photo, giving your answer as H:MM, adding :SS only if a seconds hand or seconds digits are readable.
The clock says 1:46
